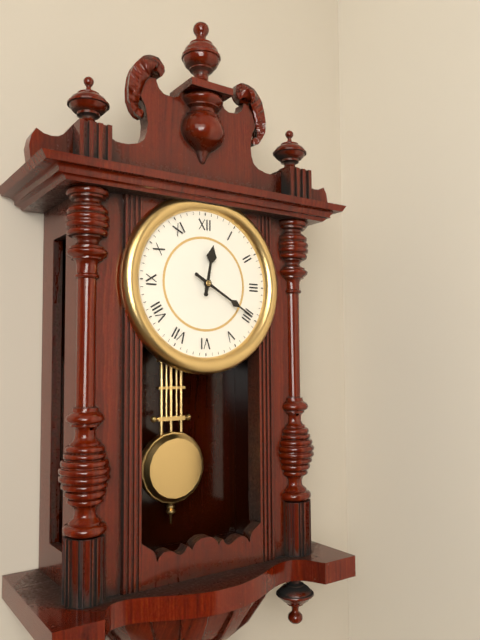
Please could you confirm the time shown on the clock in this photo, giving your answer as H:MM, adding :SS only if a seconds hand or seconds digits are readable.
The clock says 12:20
